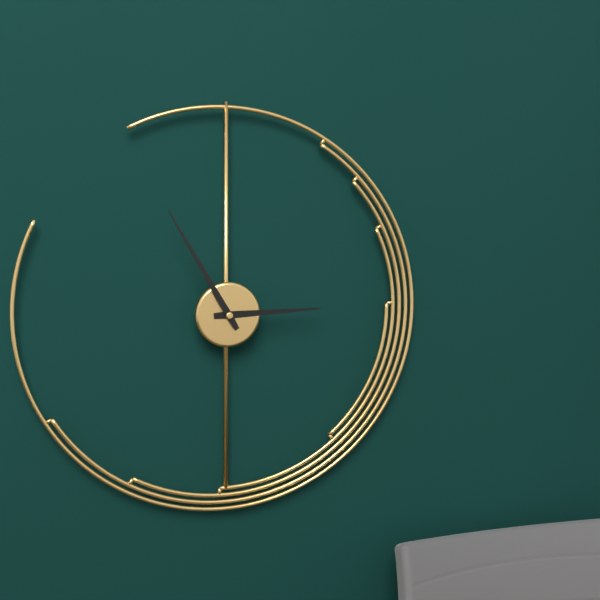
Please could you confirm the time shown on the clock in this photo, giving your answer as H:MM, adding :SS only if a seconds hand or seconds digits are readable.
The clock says 2:55
